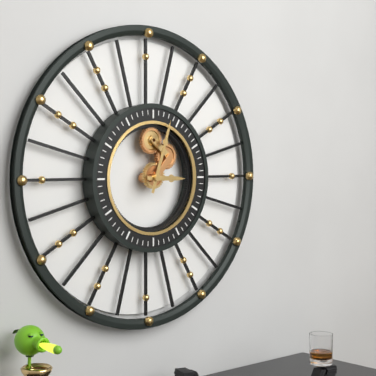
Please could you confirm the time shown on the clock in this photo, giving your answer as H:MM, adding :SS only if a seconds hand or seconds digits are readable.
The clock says 3:03
